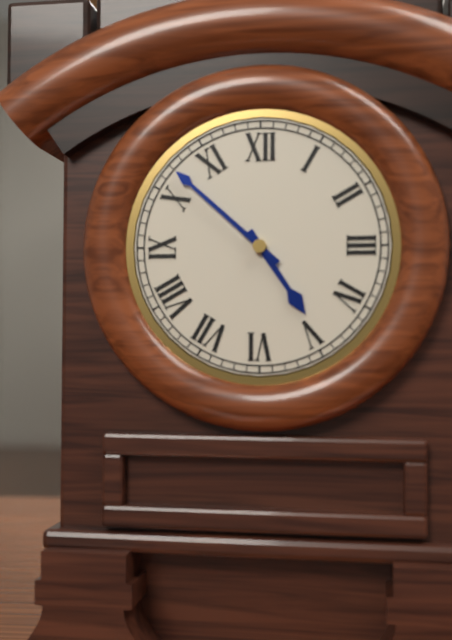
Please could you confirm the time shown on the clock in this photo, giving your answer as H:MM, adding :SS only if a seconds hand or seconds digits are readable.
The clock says 4:52
